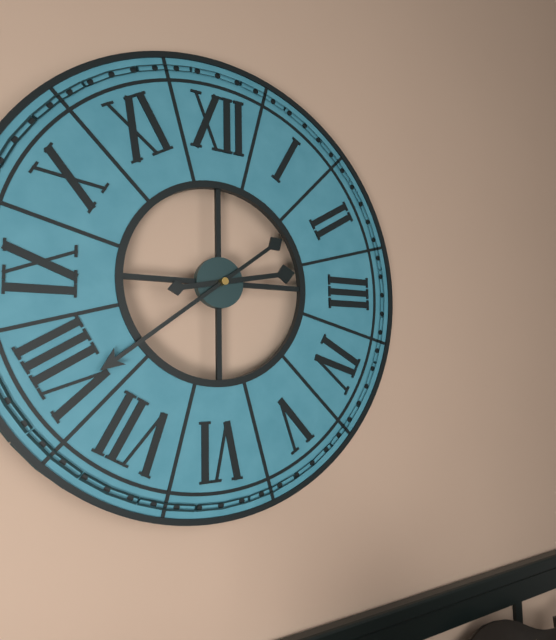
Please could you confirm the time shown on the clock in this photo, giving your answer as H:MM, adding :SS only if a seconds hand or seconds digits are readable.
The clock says 2:39
